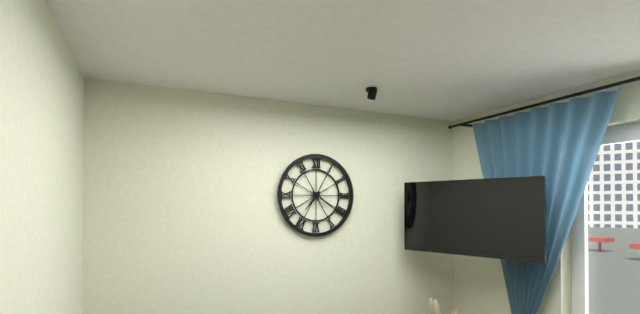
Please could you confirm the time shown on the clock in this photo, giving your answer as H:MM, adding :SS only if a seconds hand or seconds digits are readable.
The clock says 7:21
